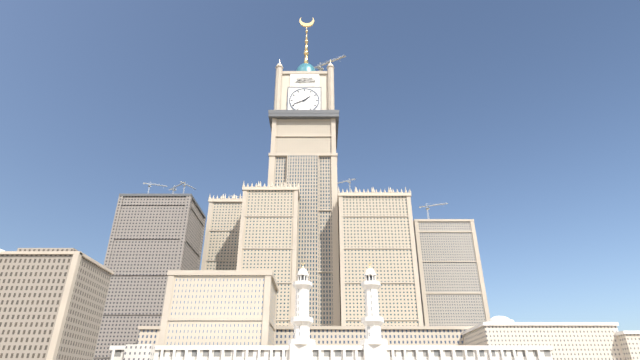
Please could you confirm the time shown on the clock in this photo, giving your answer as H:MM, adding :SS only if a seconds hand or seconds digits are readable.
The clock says 1:41
